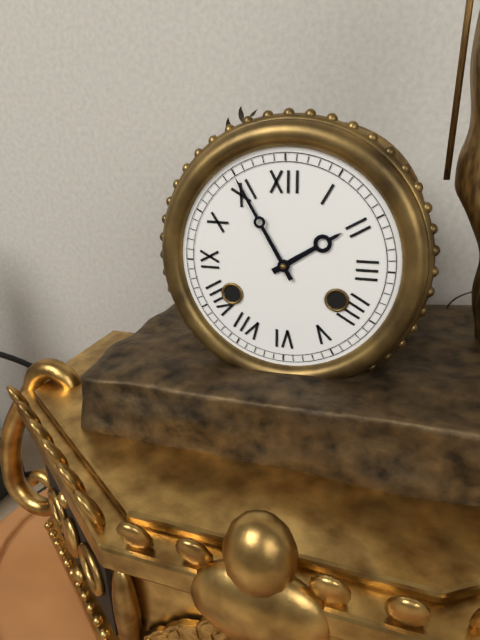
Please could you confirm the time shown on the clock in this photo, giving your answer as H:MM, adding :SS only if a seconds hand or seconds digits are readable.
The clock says 1:55
